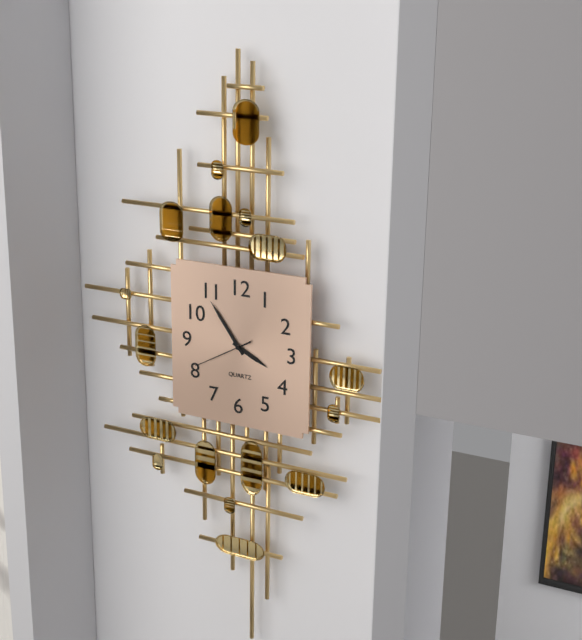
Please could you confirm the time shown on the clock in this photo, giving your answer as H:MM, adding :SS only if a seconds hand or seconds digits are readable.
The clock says 3:54:40
